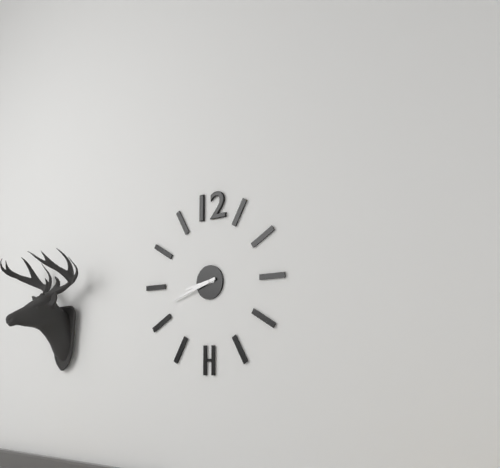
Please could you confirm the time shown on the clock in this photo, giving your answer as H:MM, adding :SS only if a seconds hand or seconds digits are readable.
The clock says 8:42
